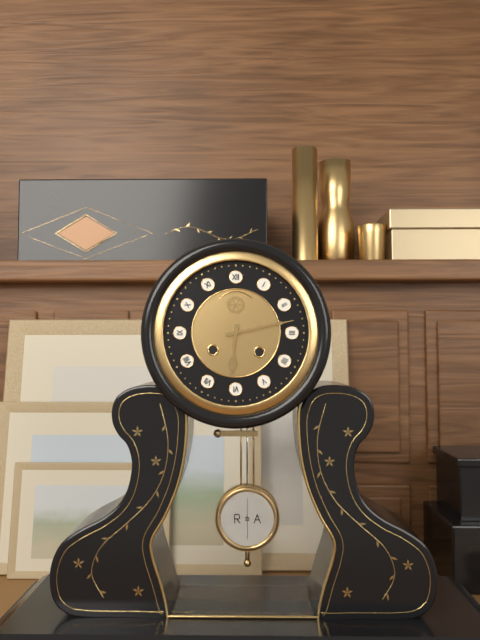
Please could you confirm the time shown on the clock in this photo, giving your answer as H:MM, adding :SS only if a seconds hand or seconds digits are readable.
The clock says 6:13
